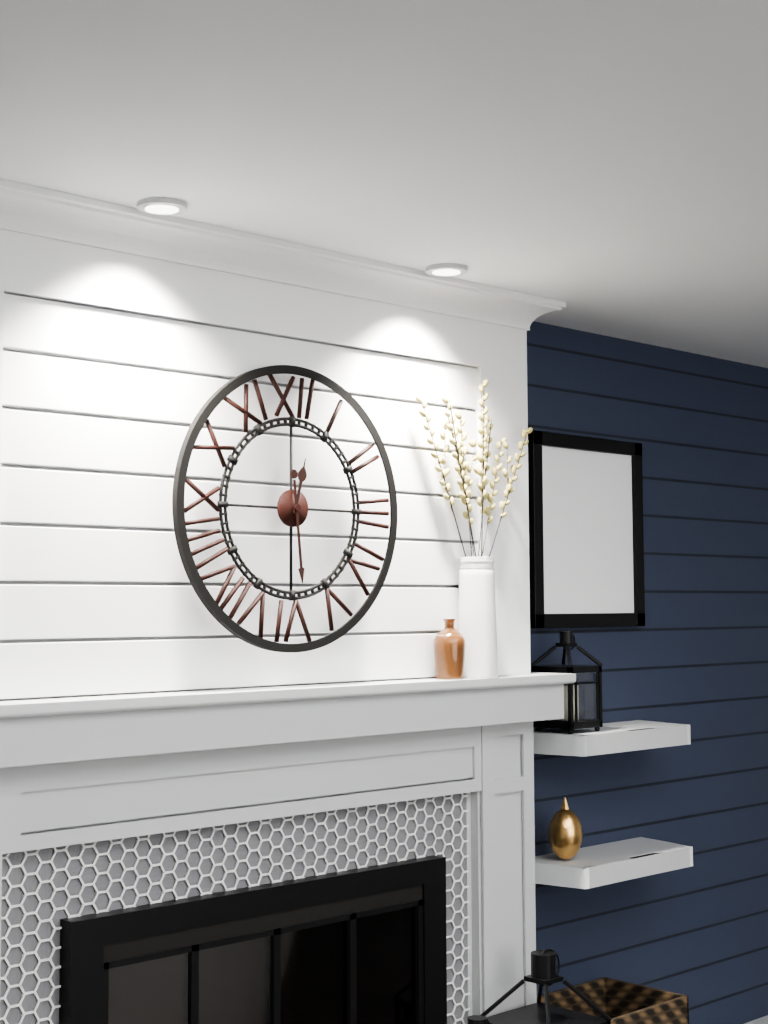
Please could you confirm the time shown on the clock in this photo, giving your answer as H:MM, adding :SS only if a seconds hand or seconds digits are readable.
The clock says 12:29
